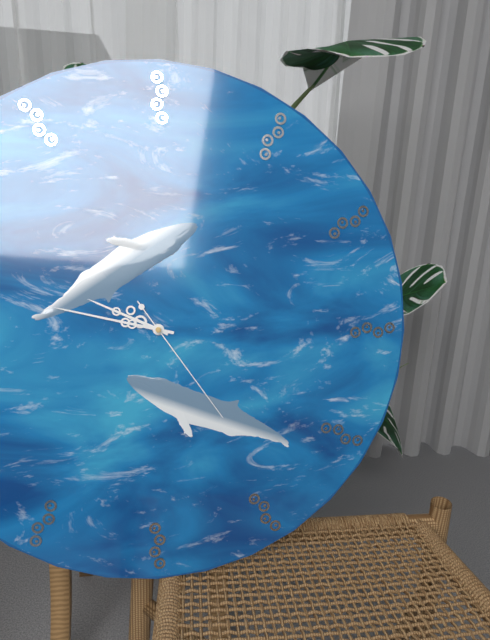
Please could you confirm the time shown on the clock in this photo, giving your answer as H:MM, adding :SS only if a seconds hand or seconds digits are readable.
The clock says 9:47:24
